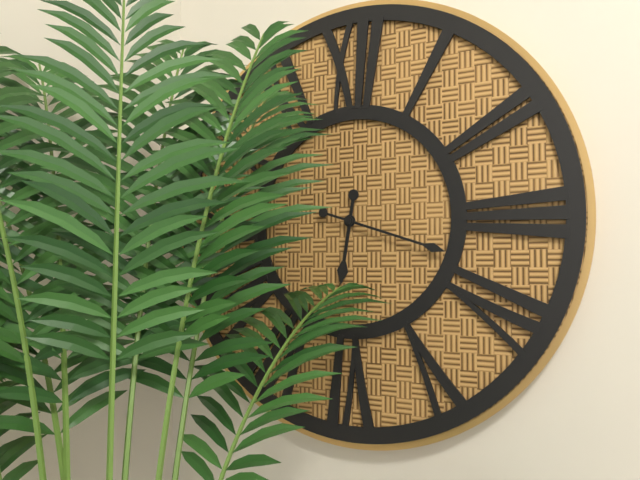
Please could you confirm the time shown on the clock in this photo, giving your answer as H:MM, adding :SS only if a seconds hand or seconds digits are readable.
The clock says 6:18
